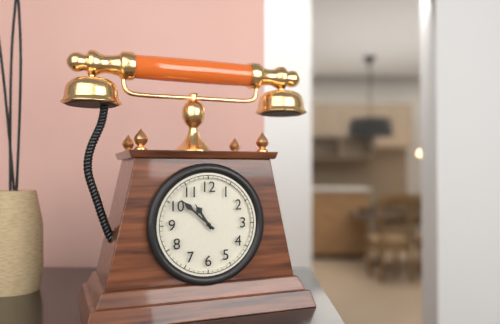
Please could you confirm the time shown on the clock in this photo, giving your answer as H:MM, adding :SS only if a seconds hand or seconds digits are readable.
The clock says 10:52
